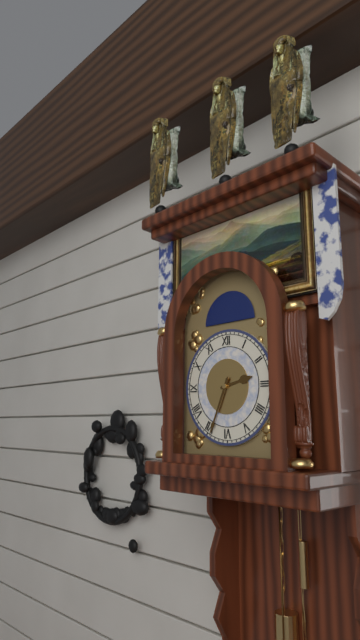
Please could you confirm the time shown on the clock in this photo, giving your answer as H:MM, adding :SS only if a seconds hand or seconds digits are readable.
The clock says 2:34
